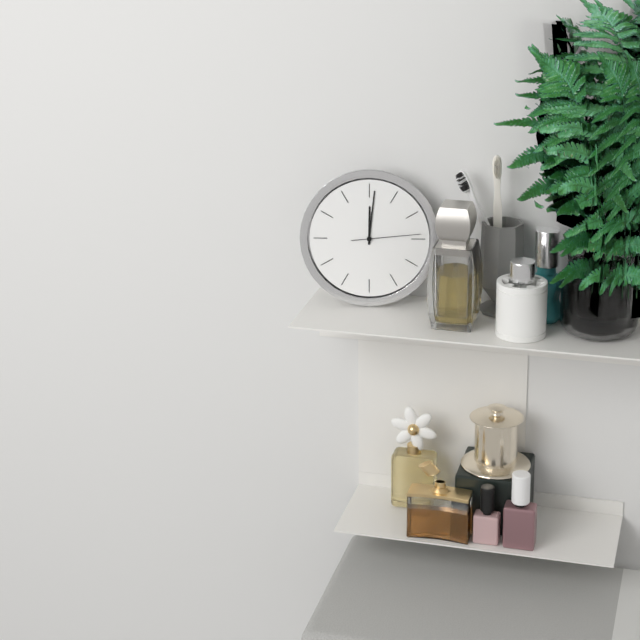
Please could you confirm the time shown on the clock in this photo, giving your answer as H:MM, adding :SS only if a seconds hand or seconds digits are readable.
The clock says 12:01:14
